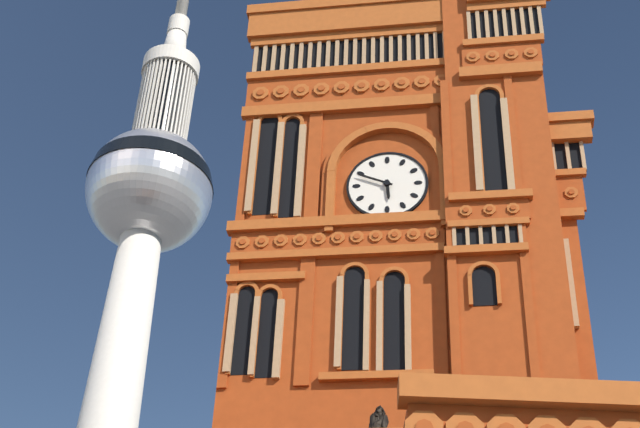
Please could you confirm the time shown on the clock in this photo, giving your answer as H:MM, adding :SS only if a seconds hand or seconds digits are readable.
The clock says 5:49
